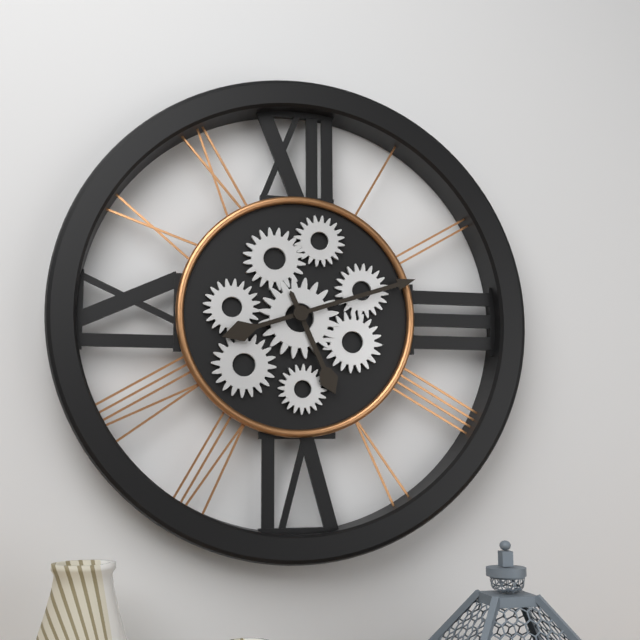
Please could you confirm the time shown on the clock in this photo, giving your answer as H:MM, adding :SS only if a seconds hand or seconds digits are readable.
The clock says 5:12
